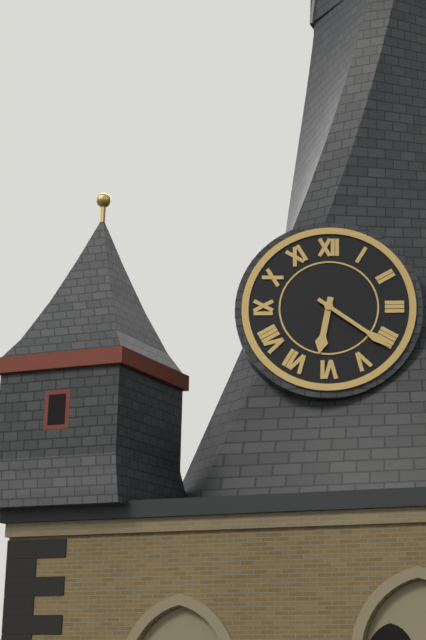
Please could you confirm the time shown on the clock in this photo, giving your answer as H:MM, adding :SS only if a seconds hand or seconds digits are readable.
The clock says 6:21
